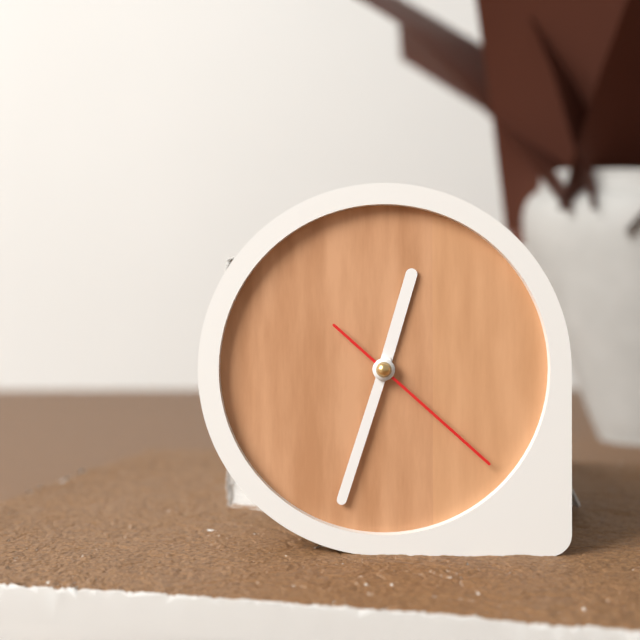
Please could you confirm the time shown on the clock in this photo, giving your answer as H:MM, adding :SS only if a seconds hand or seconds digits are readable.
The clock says 12:33:22
